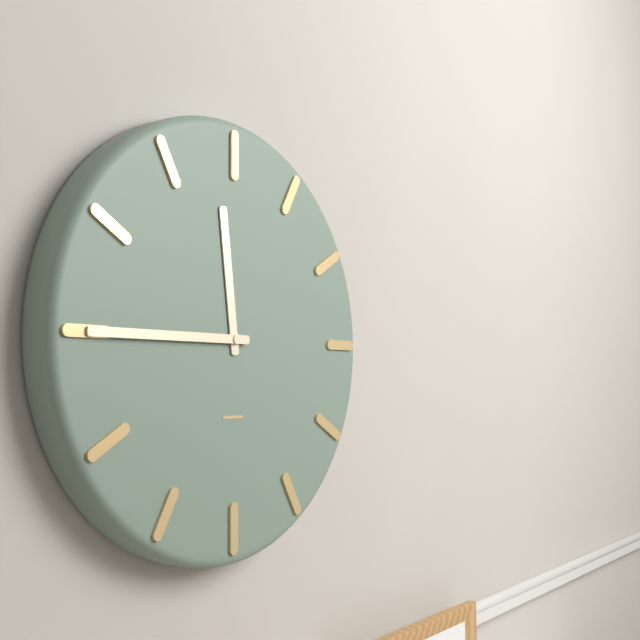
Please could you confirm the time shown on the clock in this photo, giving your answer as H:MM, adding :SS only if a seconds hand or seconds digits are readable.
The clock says 11:45
